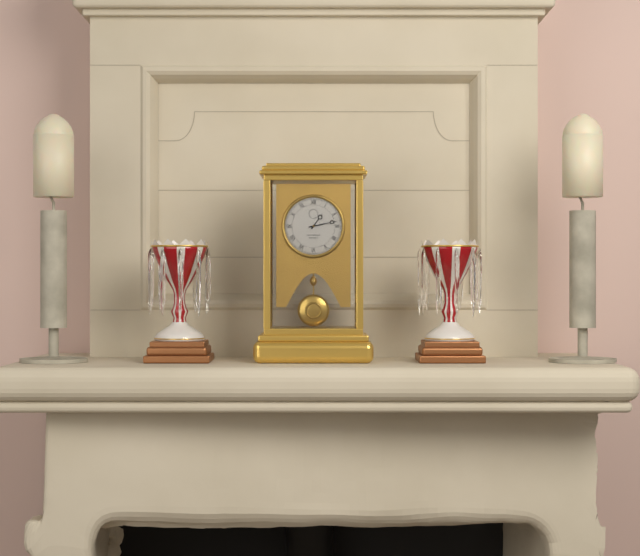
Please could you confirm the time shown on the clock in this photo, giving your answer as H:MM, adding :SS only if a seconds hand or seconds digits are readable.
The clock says 1:13
